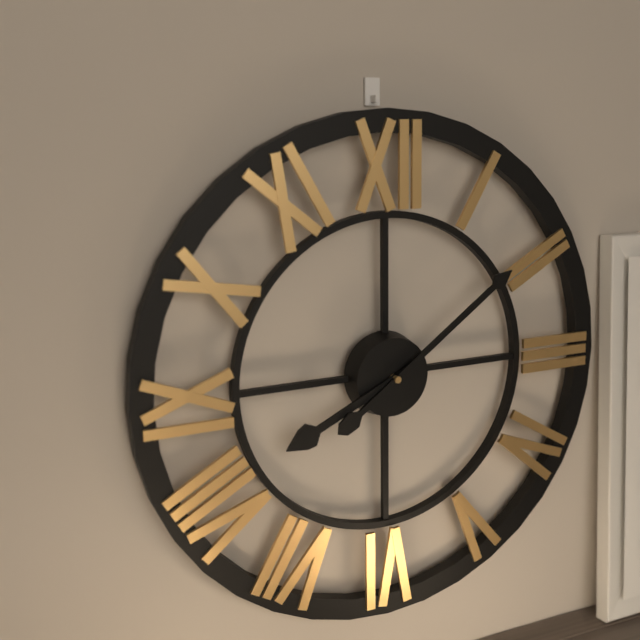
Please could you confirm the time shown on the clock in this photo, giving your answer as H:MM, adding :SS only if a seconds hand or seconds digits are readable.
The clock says 8:09
